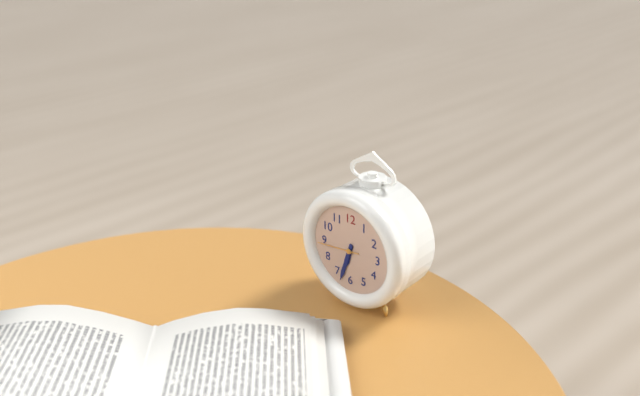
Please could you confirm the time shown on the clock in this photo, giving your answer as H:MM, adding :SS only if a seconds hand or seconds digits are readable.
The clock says 6:33
